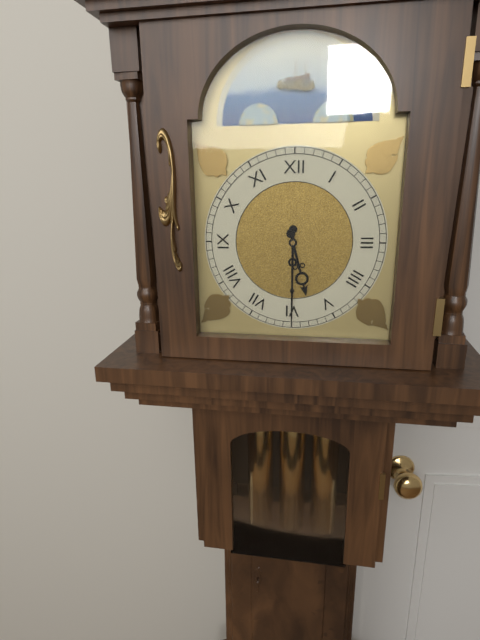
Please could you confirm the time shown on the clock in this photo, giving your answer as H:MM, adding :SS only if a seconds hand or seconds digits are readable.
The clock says 5:30
